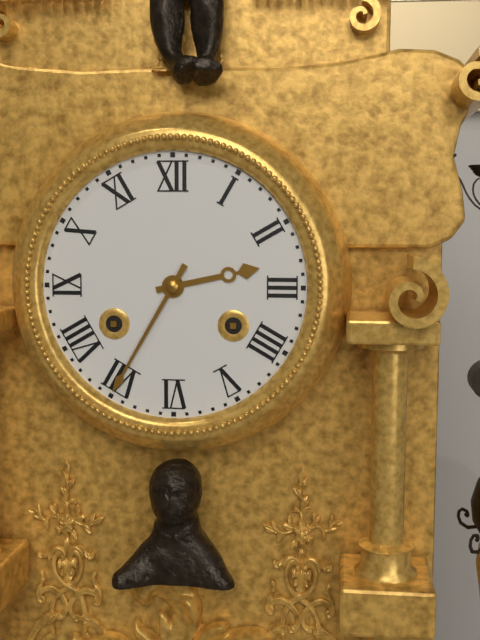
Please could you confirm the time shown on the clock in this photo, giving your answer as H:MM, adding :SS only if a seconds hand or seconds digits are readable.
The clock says 2:35
